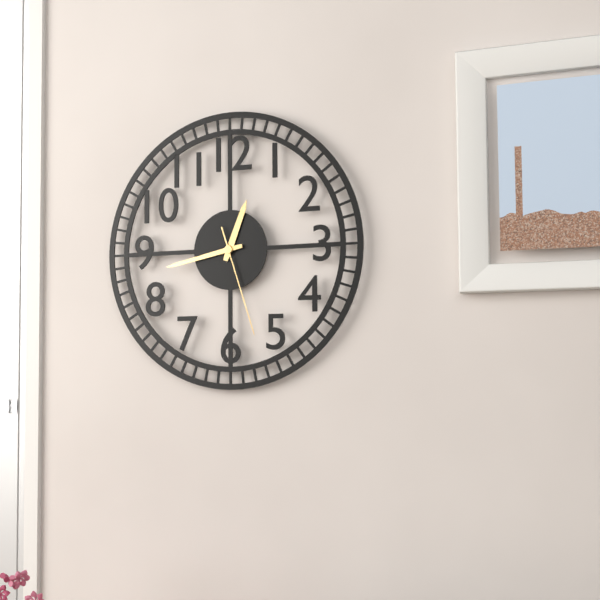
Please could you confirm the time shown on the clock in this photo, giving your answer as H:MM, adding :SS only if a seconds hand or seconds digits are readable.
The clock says 12:43:27
